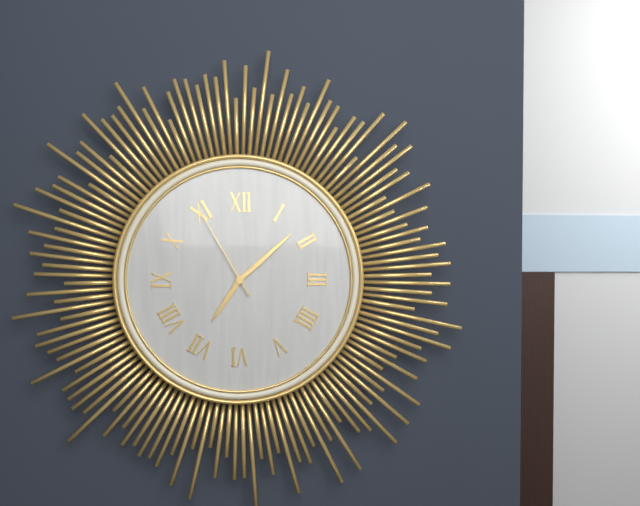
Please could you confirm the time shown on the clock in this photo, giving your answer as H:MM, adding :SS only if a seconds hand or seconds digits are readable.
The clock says 7:08:55
